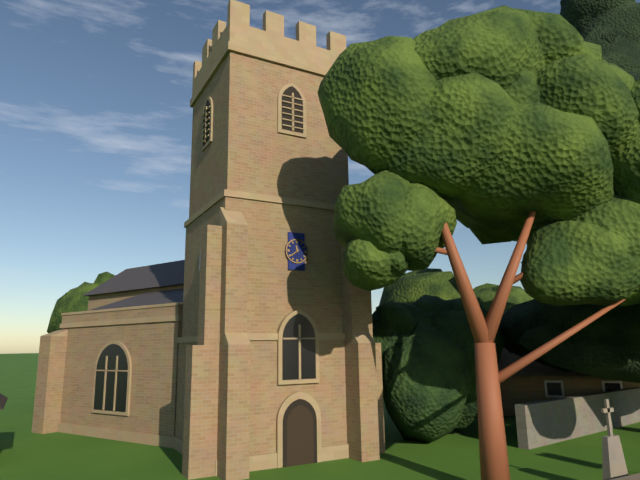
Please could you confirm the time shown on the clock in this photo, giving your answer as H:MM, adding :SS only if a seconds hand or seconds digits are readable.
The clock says 11:39
